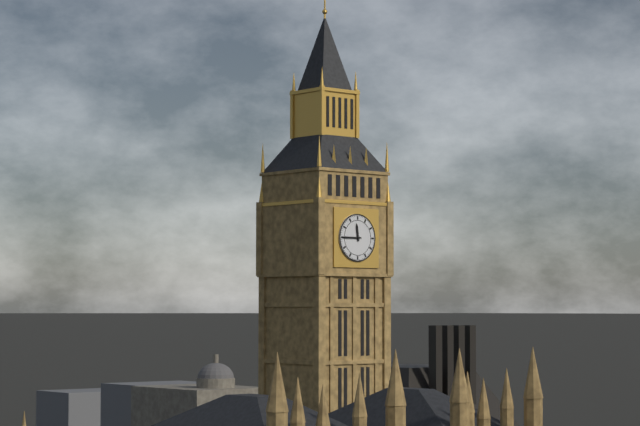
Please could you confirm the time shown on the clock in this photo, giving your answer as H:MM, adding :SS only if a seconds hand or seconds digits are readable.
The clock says 11:45
